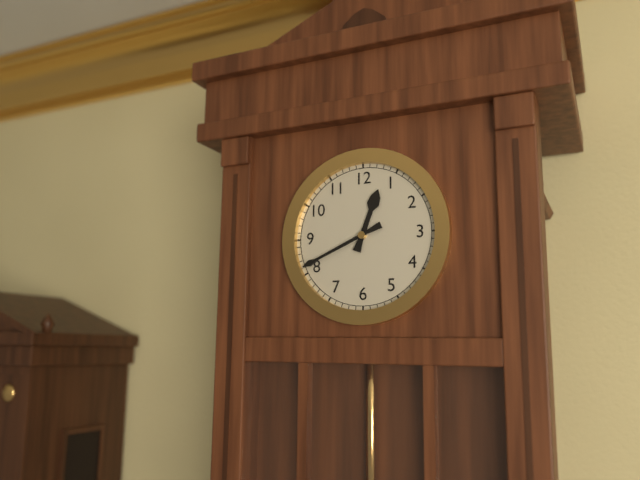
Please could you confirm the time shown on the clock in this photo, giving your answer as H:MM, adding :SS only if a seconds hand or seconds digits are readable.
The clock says 12:41
